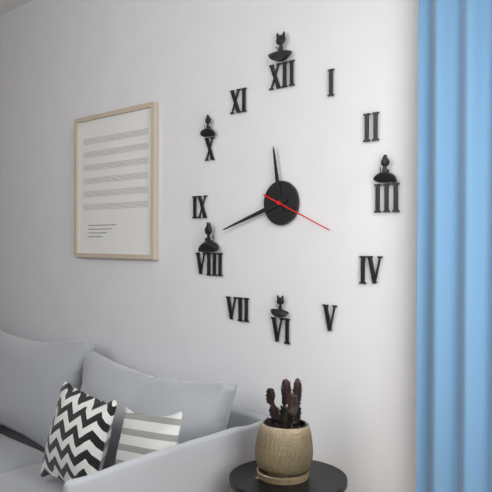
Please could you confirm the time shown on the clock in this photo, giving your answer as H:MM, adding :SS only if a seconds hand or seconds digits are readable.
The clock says 11:42:19
